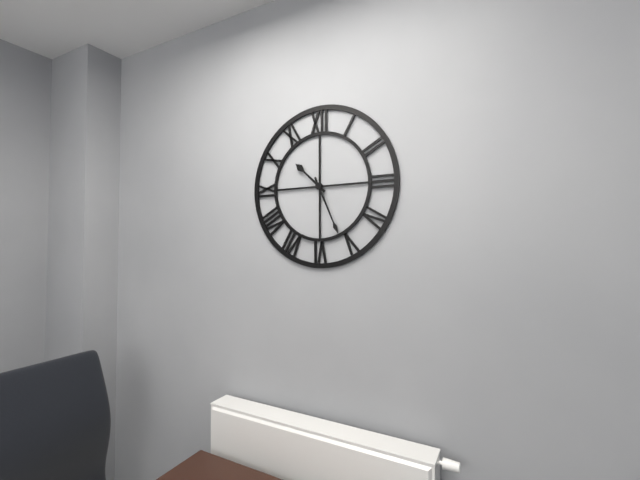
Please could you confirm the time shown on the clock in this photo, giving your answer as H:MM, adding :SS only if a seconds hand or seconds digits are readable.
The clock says 10:26
